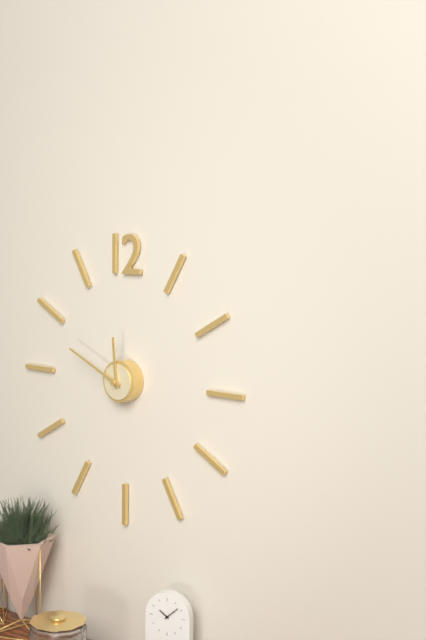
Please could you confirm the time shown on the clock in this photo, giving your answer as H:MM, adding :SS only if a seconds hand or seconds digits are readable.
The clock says 11:49
